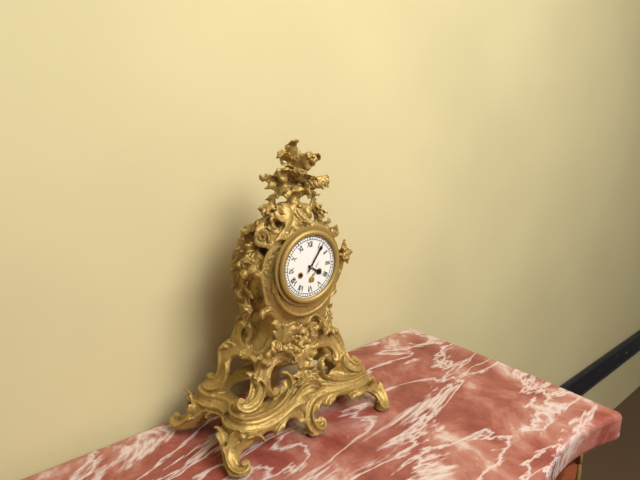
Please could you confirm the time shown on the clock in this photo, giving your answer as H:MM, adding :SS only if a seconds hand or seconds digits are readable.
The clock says 4:06
